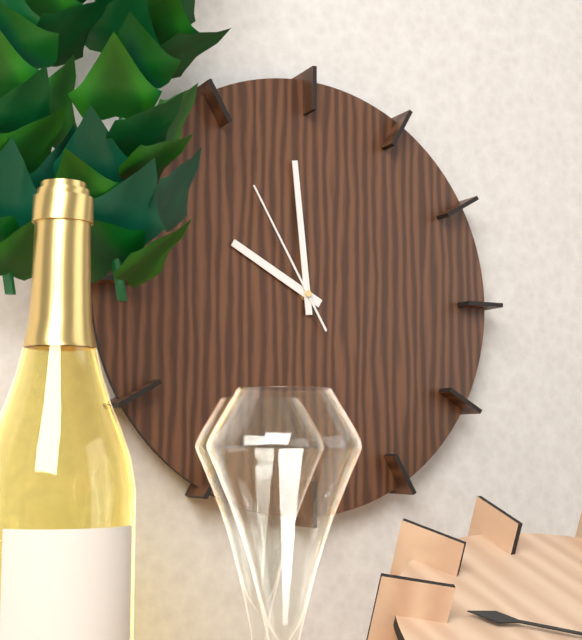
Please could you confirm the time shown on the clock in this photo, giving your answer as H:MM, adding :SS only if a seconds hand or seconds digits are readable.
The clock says 9:59:55
